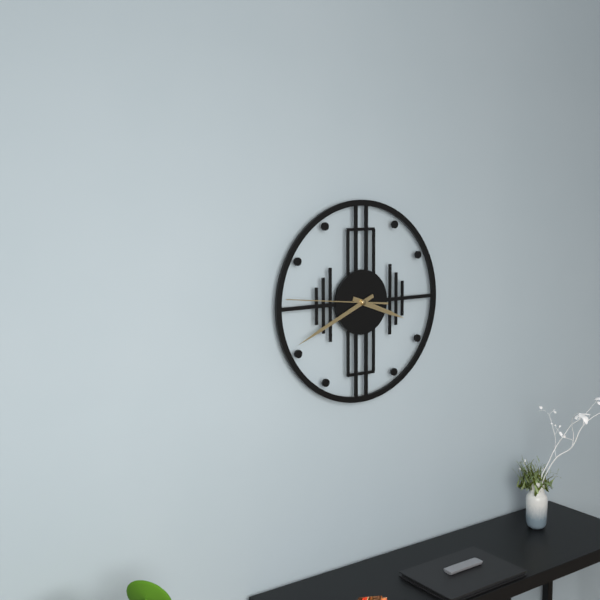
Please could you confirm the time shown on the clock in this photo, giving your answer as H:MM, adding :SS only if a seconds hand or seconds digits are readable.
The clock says 3:41:46
